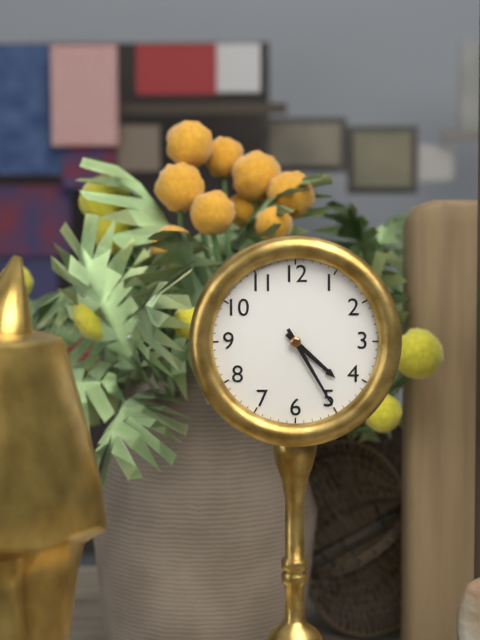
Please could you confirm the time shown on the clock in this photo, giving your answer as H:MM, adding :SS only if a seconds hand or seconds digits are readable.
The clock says 4:25
